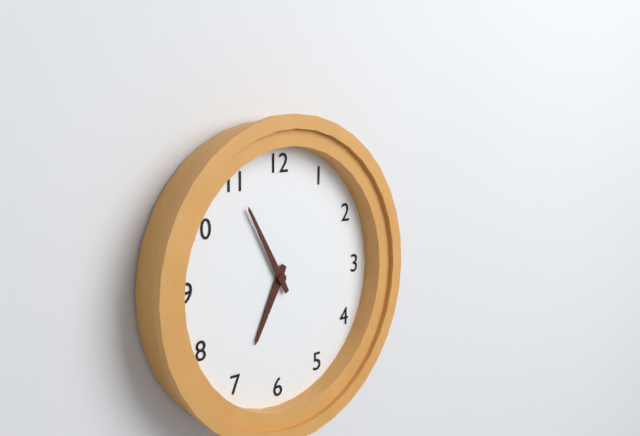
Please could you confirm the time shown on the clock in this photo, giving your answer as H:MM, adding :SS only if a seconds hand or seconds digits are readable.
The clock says 6:55
